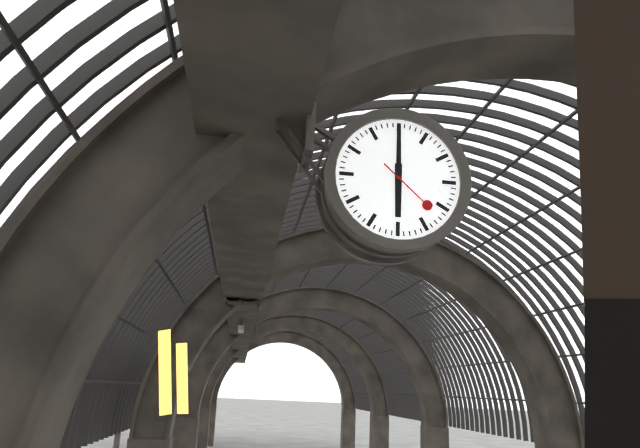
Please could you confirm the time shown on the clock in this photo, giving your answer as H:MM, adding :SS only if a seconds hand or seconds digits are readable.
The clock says 6:00:22
